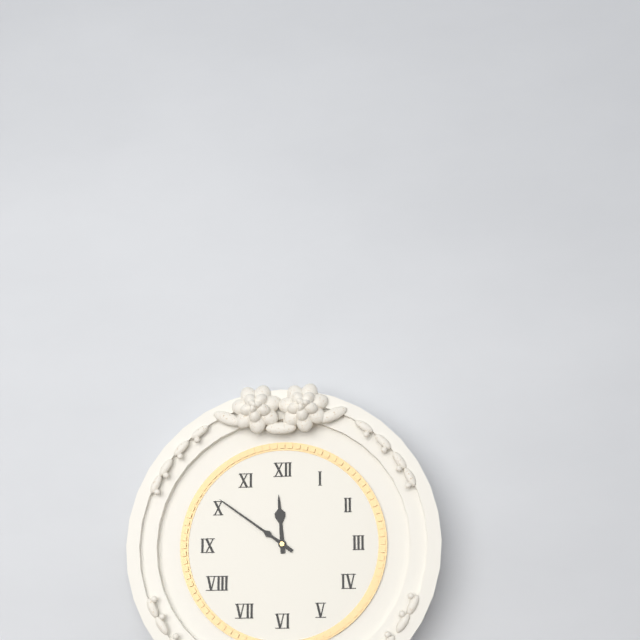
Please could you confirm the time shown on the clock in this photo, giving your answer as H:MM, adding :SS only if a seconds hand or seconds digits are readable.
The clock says 11:51
